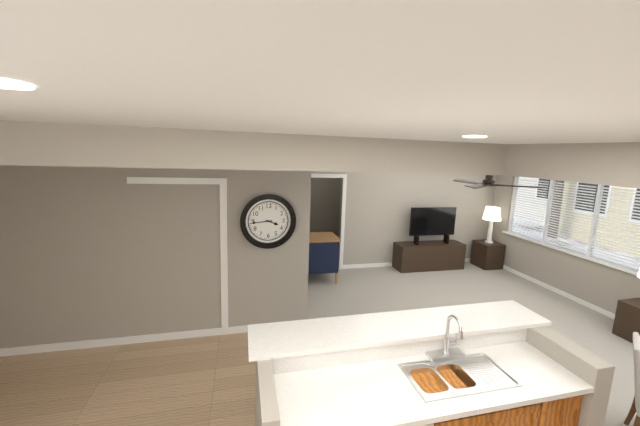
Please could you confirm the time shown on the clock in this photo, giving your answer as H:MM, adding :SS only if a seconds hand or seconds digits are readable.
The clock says 3:44
